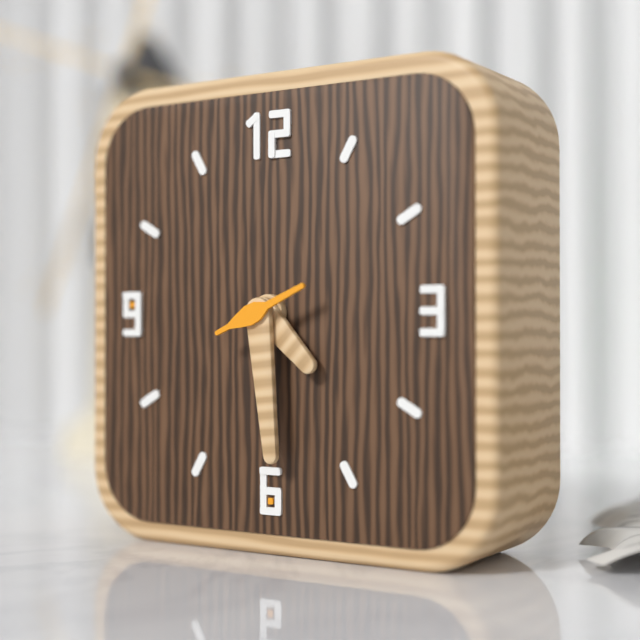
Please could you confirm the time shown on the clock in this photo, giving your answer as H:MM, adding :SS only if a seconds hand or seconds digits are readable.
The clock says 4:29:11
